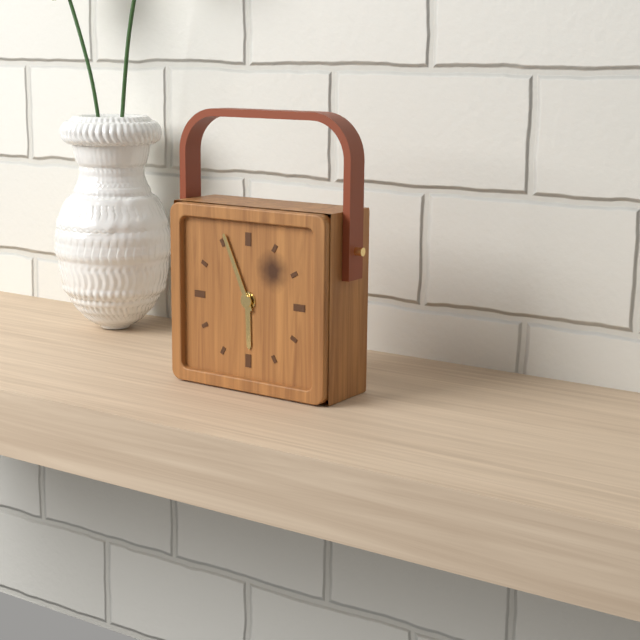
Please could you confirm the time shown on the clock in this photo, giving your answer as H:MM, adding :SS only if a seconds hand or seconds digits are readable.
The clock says 5:56
